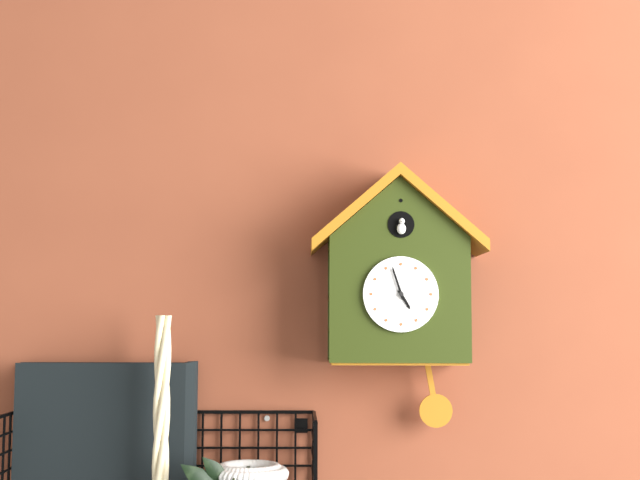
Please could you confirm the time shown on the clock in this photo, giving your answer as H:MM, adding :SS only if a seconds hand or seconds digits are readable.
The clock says 4:57
